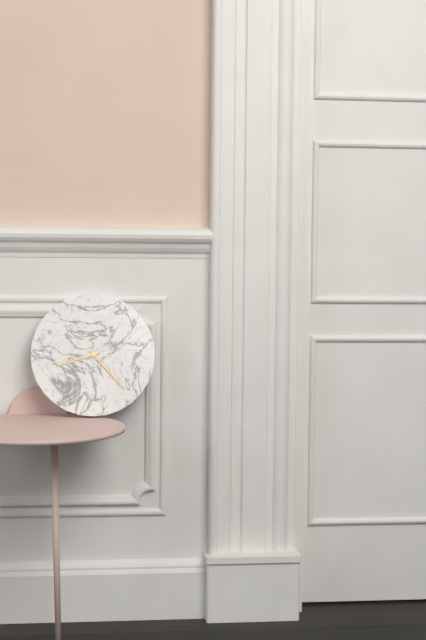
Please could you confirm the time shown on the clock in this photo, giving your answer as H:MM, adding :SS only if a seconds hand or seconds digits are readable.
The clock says 8:23
